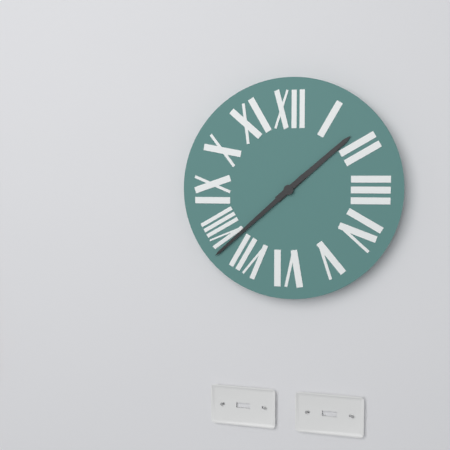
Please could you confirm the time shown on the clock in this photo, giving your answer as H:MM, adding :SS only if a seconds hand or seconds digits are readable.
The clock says 1:38
